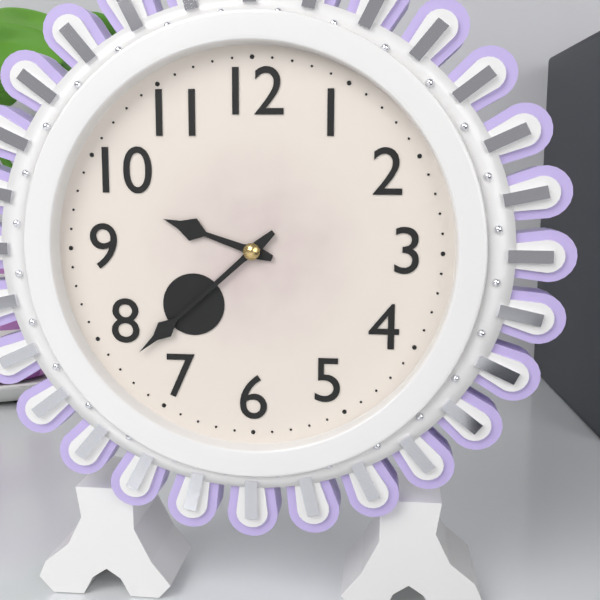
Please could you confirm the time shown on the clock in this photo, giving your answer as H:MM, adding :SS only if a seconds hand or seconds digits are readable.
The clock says 9:38
